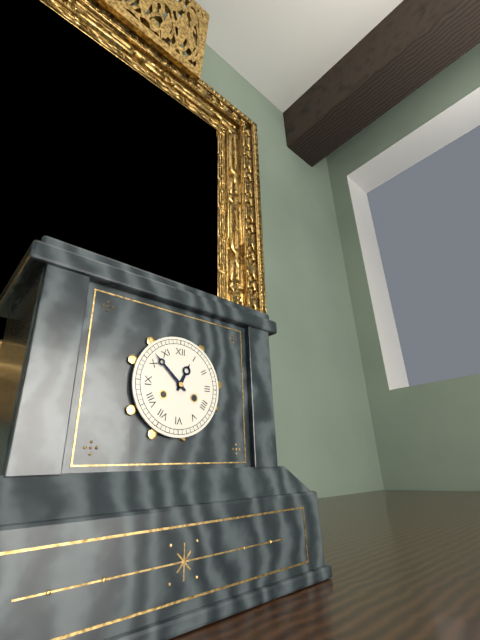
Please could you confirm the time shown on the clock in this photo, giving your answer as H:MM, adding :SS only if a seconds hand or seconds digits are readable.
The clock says 12:52
